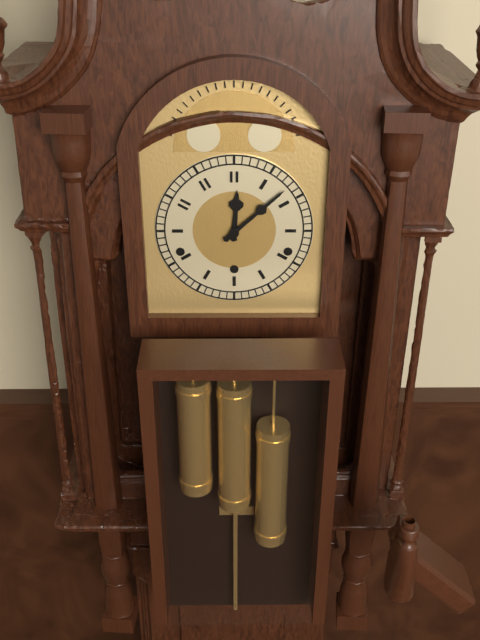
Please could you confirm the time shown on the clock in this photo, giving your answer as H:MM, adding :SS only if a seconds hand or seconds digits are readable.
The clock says 12:08
